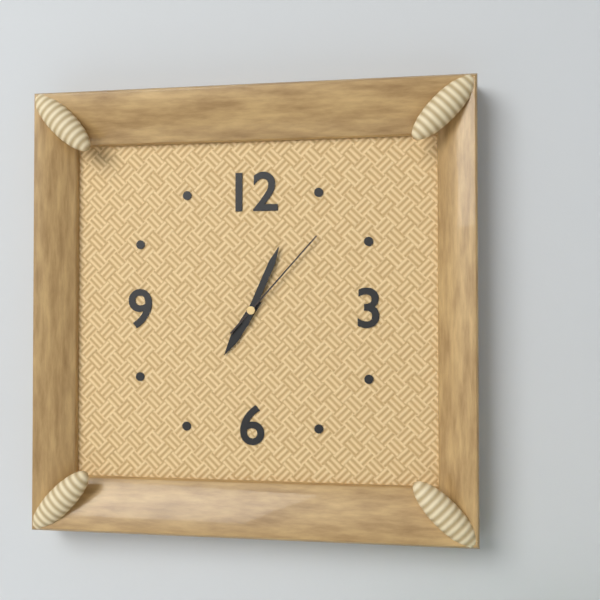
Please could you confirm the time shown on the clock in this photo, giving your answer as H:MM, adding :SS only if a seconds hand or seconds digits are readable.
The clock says 7:04:07
